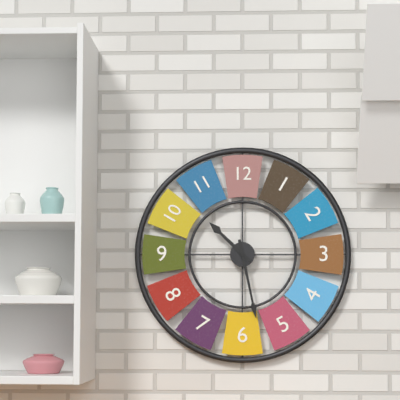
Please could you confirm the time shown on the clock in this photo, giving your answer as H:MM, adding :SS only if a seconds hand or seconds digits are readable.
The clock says 10:28
